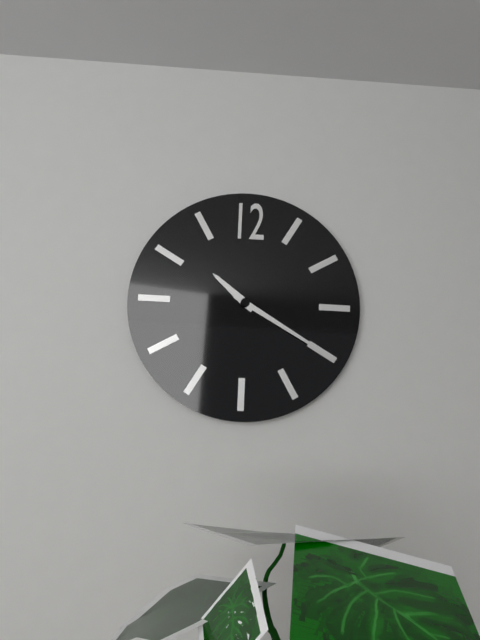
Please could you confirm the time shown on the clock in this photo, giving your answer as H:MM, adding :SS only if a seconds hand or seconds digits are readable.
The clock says 10:20
